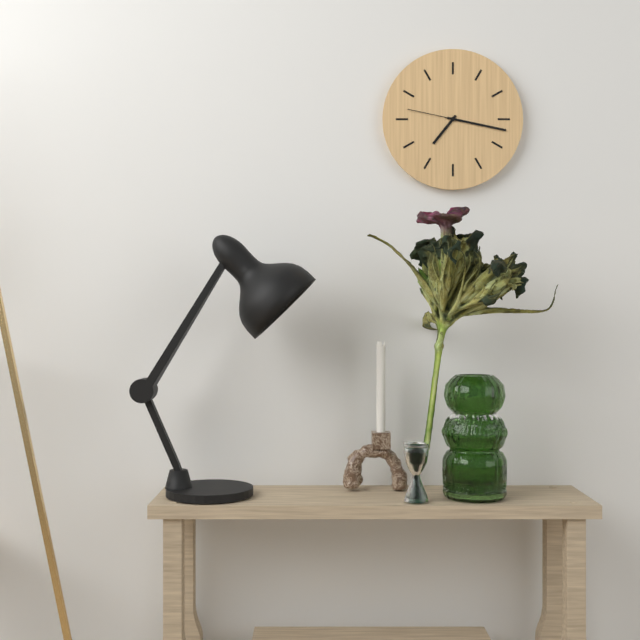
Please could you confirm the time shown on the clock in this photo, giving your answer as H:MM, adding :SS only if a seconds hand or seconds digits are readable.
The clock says 7:17:47
